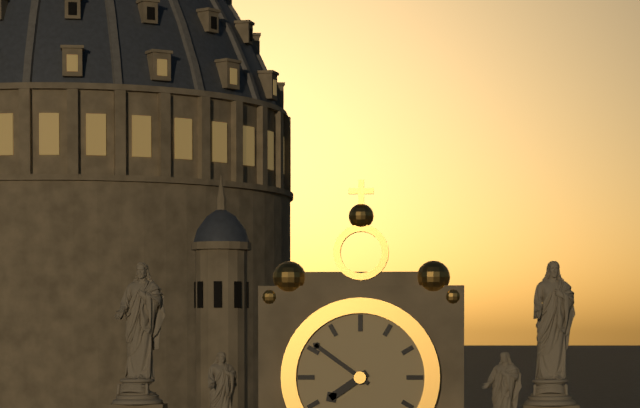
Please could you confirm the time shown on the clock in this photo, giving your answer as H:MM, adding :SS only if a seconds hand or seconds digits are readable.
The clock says 7:51
